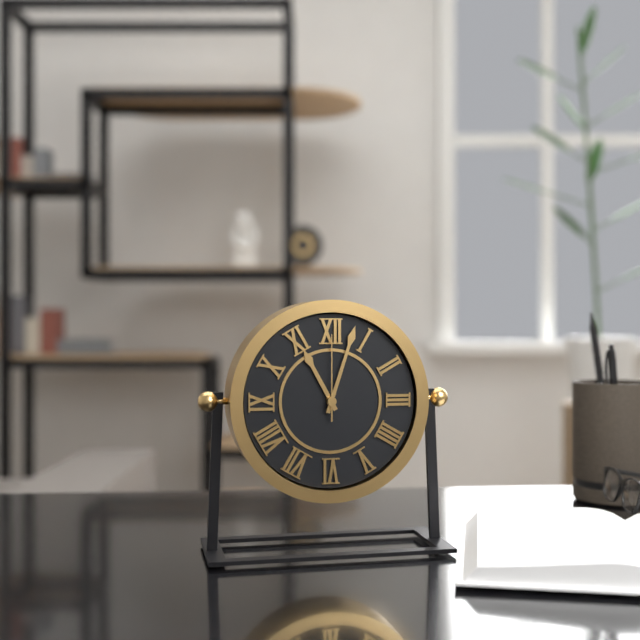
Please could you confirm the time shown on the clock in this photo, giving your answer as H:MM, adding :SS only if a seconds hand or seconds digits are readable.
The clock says 11:03:00
